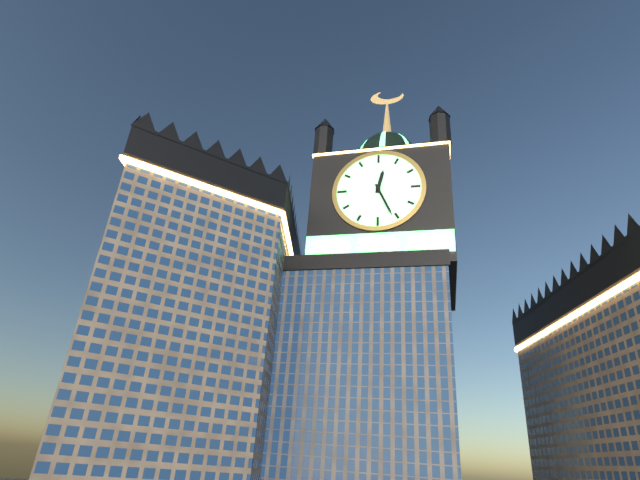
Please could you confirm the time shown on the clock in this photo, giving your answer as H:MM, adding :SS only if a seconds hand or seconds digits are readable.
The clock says 12:26
